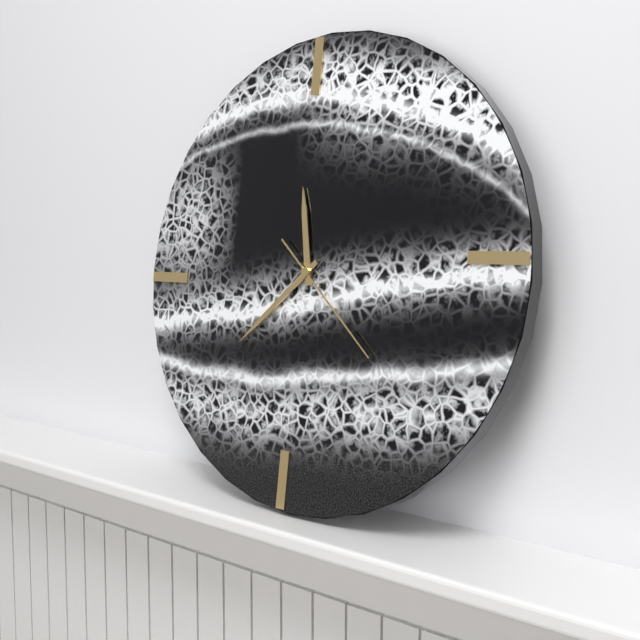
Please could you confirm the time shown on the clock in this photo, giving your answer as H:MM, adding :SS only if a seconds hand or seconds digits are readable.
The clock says 11:38:22
